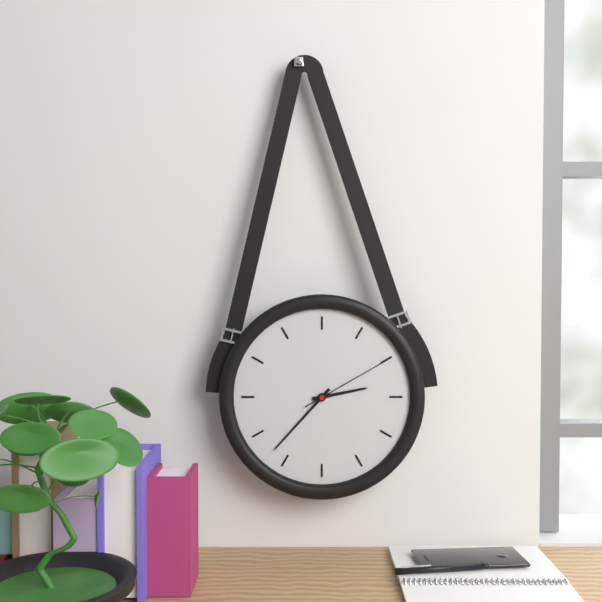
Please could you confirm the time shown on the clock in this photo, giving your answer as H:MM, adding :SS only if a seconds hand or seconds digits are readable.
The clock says 2:37:10
